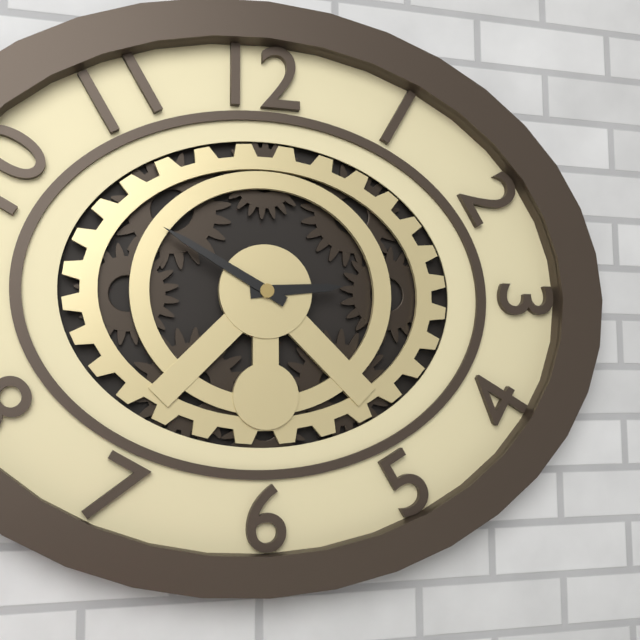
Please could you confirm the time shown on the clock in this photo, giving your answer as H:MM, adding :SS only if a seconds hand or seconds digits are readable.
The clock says 2:50
